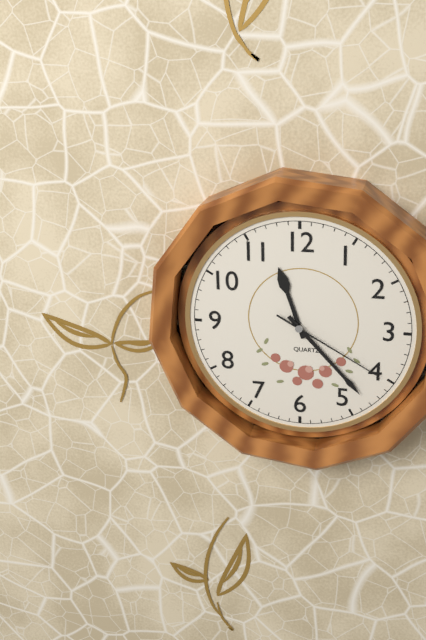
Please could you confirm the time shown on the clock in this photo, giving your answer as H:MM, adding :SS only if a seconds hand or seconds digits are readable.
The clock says 11:23:20
